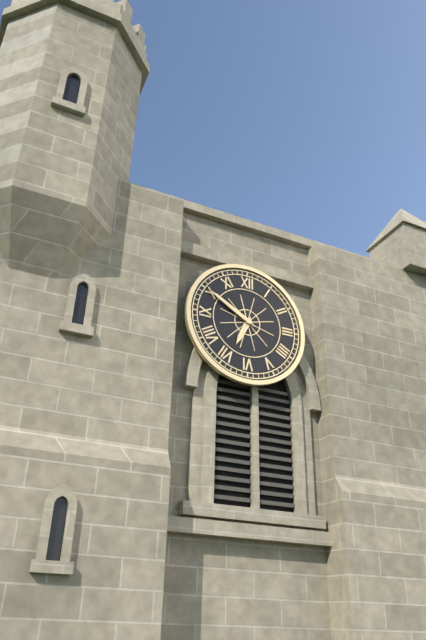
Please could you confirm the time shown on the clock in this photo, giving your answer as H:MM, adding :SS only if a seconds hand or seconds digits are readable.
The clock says 6:50
